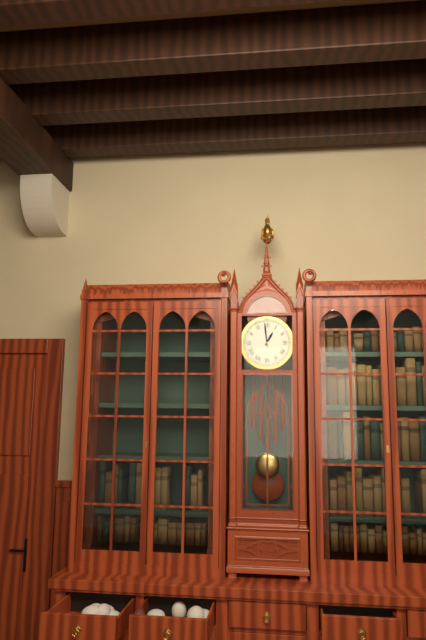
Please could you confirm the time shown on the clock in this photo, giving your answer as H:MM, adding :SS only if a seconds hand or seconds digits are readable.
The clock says 12:59
